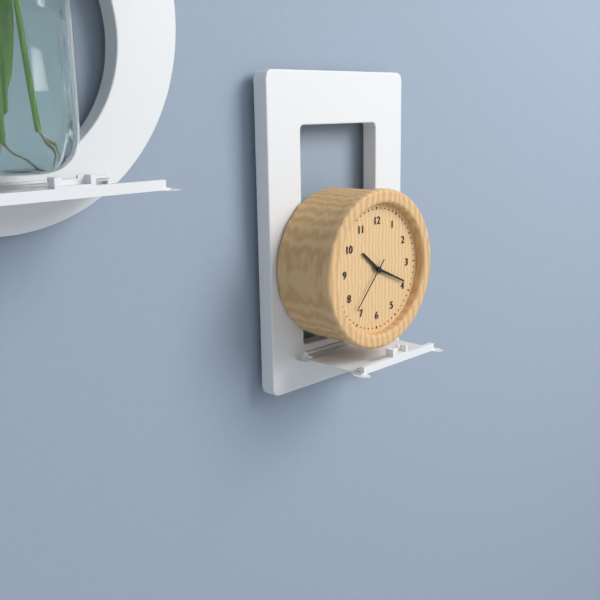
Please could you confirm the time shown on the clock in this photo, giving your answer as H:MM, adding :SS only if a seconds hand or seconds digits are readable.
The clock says 10:19:37
